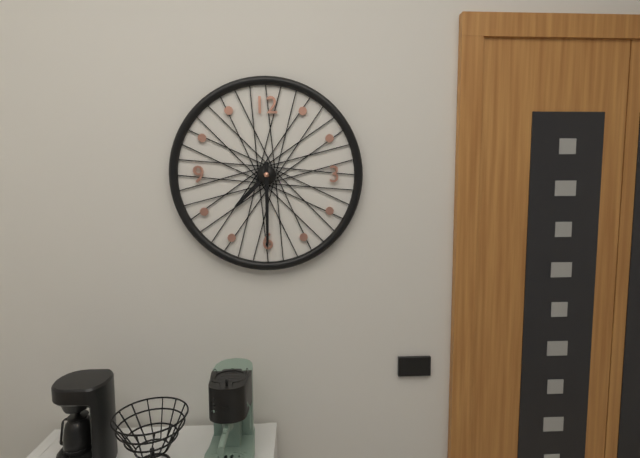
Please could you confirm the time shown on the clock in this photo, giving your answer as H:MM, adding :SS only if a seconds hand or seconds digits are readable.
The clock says 7:30
